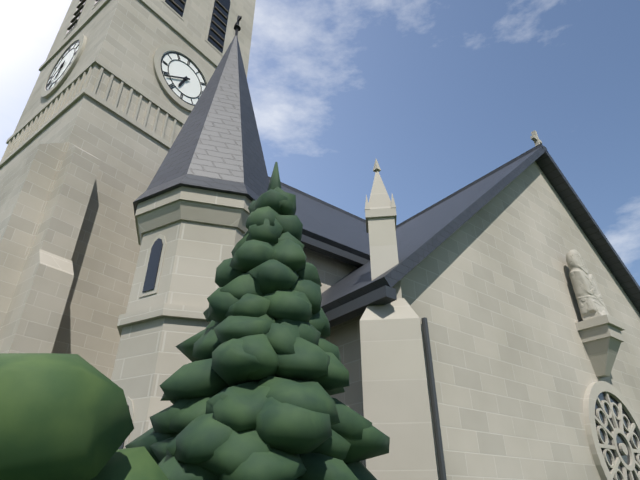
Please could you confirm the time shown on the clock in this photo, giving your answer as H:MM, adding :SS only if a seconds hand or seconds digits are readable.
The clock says 6:39
